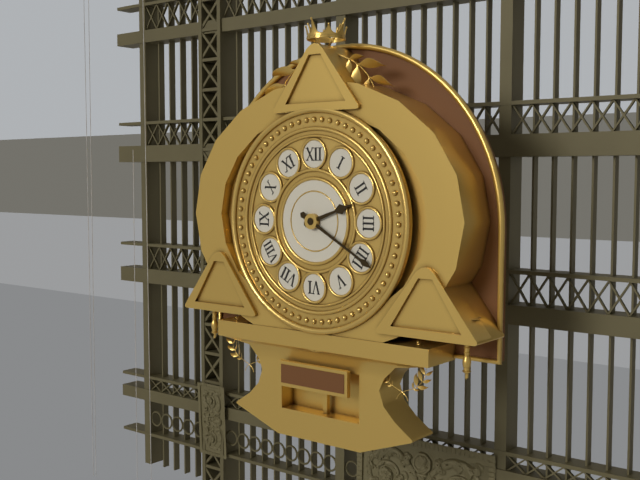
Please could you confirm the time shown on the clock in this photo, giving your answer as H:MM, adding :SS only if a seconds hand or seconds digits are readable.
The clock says 2:20
